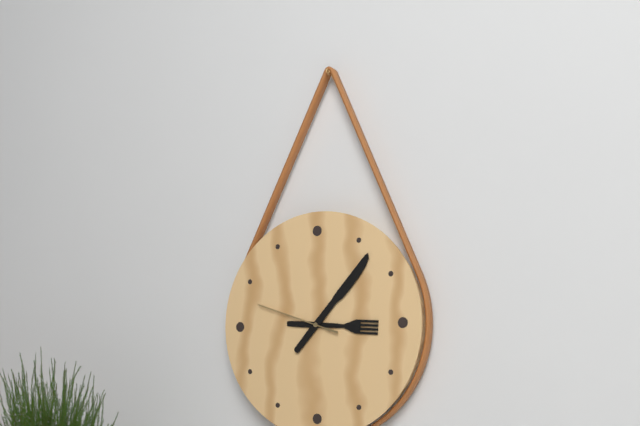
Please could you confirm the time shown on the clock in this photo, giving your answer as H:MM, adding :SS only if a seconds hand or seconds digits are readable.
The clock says 3:07:48
